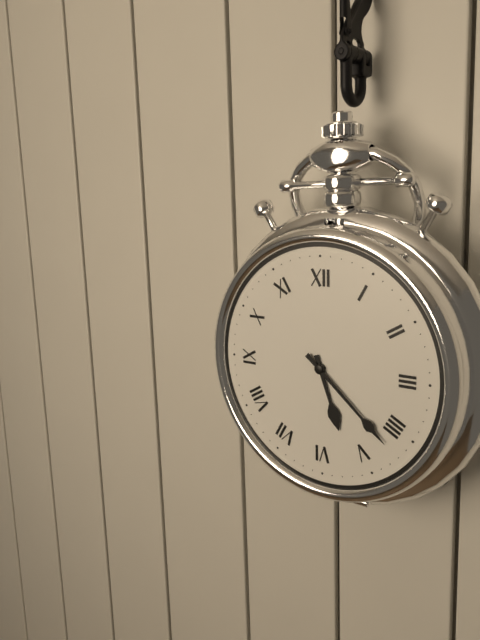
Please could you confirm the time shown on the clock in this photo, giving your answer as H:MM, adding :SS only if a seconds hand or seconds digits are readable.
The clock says 5:22
